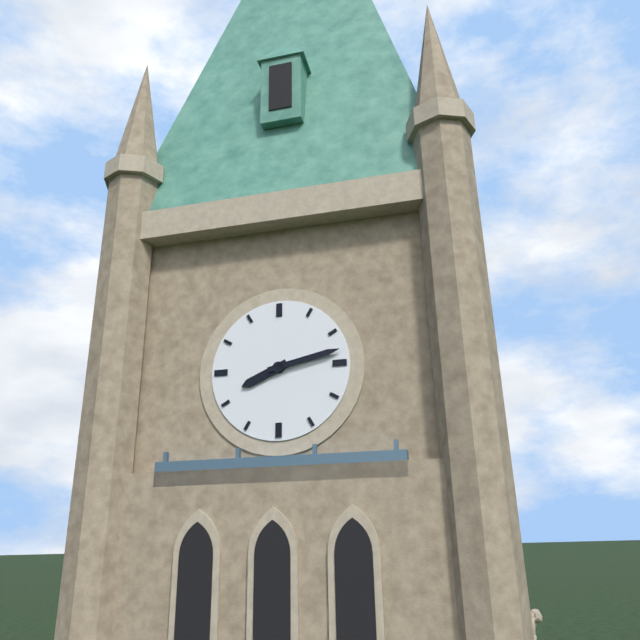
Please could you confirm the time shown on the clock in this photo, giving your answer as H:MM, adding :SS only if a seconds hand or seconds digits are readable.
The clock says 8:13
